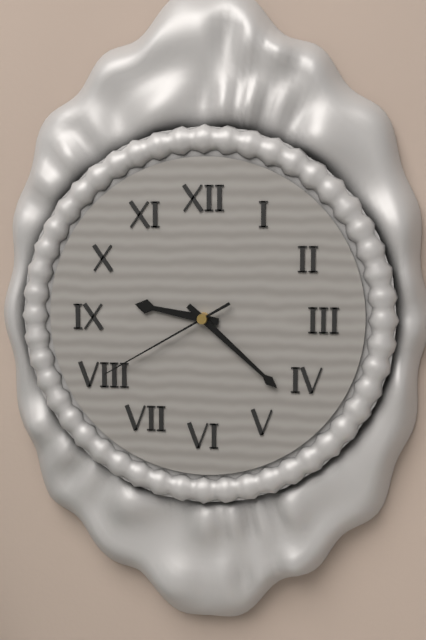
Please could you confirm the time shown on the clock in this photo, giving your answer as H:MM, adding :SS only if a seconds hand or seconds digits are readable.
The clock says 9:22:40
